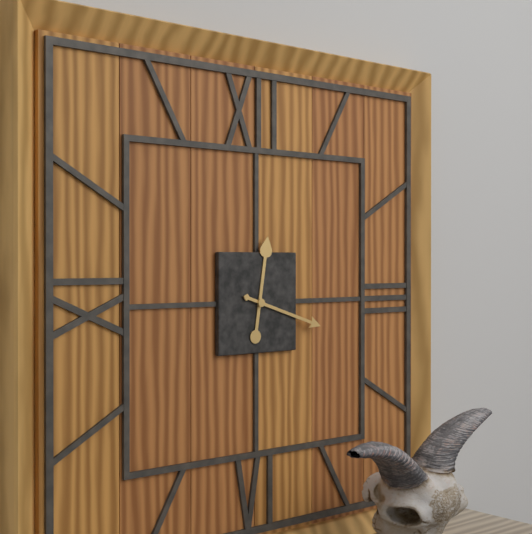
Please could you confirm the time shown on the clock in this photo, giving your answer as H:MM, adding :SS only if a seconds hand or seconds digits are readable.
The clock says 12:18
